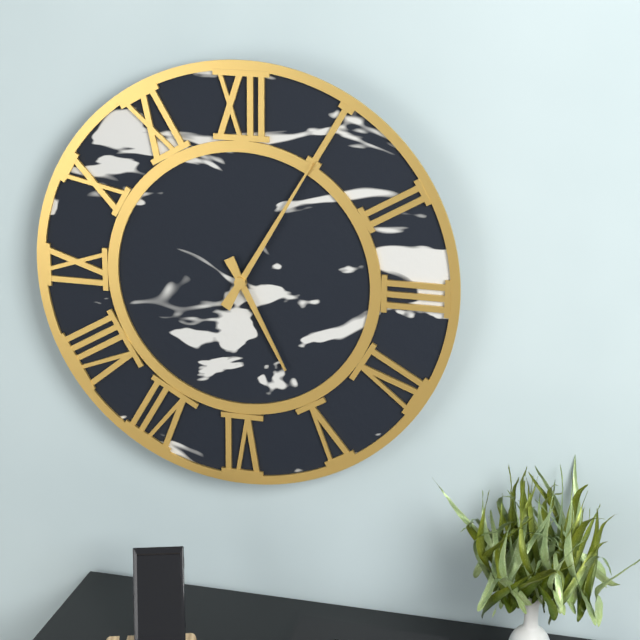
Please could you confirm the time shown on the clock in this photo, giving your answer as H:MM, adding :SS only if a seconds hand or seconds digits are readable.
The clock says 5:05
